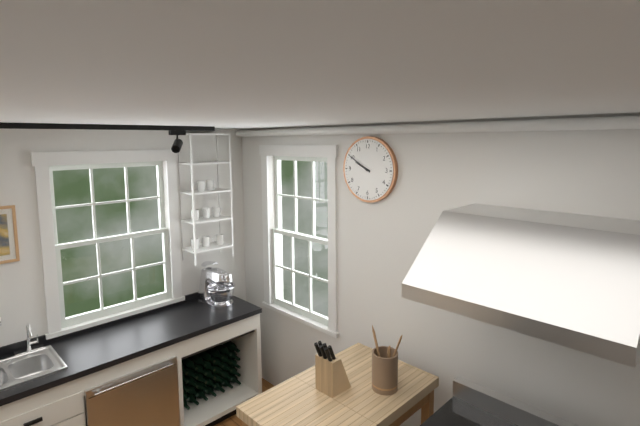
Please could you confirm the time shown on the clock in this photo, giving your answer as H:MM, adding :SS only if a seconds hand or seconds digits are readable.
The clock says 9:50
